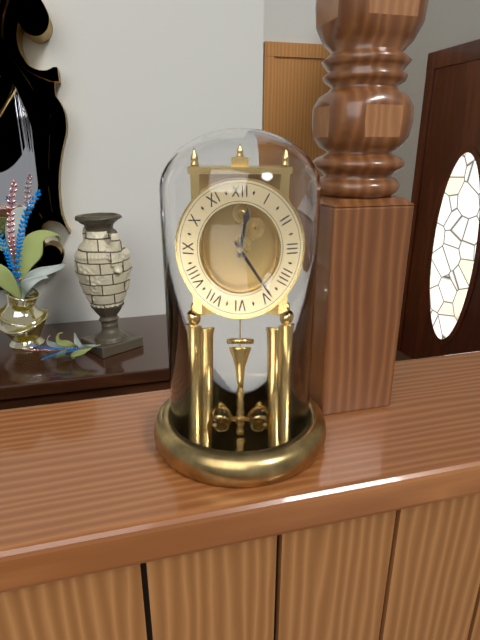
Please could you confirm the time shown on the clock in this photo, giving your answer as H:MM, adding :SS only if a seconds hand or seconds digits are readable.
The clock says 12:24
